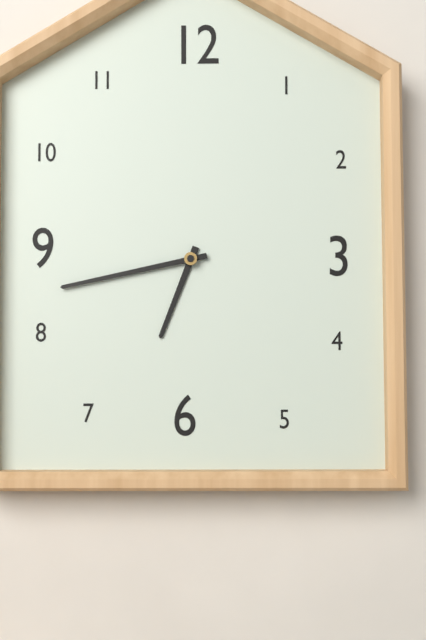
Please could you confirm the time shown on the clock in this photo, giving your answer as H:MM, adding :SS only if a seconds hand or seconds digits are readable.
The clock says 6:43
